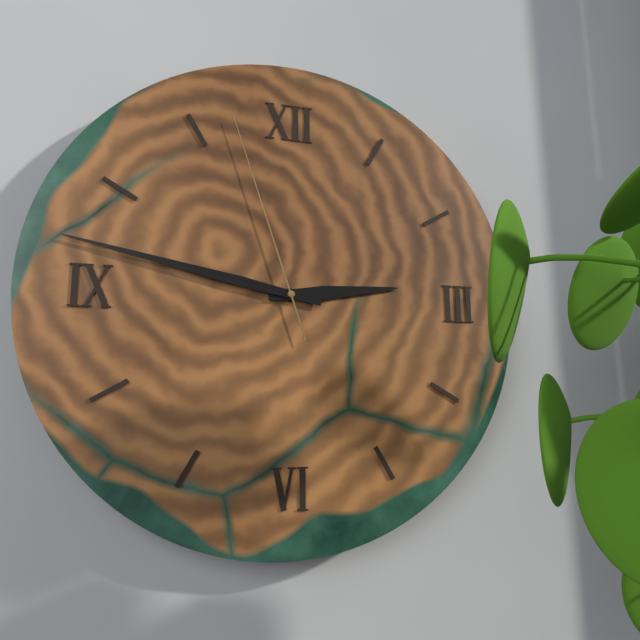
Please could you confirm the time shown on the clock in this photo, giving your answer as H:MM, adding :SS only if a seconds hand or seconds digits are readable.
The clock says 2:47:57
